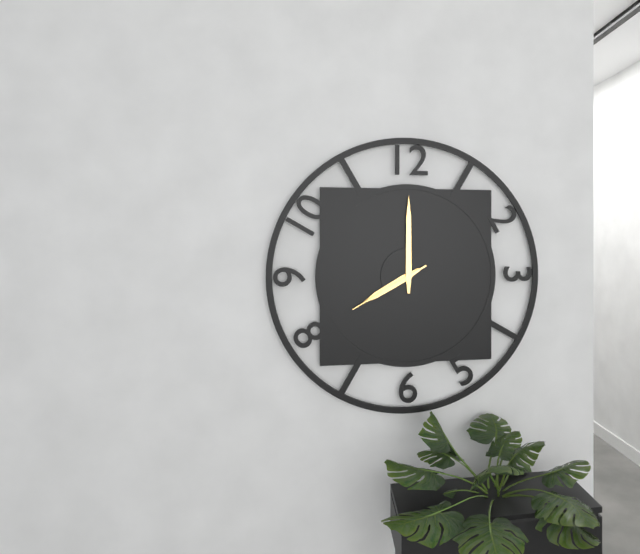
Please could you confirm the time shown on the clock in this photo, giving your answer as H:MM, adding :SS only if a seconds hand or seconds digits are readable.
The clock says 8:00:40
